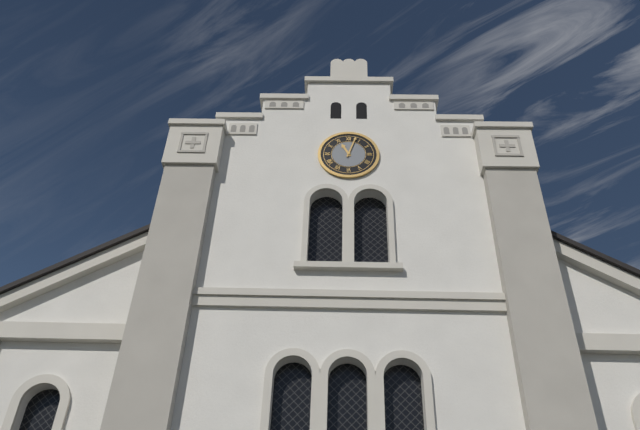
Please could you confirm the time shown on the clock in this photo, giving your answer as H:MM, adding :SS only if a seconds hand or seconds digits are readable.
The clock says 11:03
